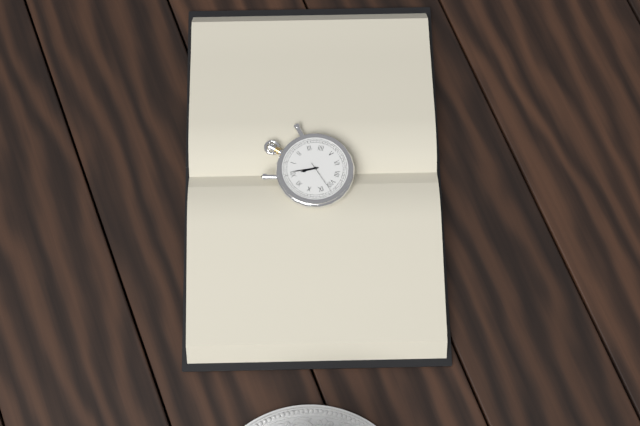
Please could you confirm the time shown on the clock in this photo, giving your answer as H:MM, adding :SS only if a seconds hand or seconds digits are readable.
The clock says 12:01
